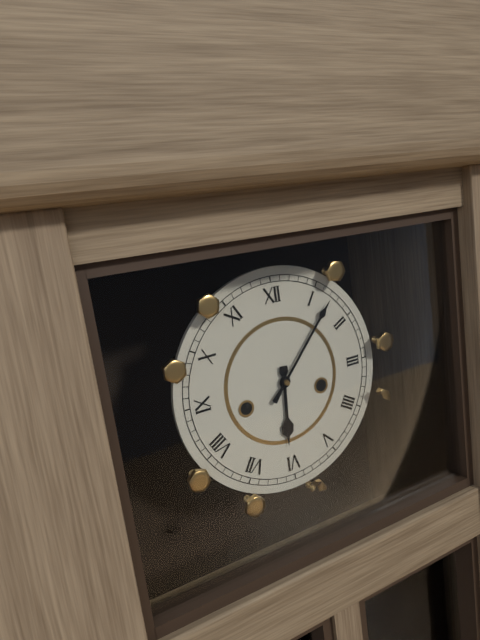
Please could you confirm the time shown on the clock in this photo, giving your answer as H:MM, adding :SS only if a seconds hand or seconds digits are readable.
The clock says 6:07
